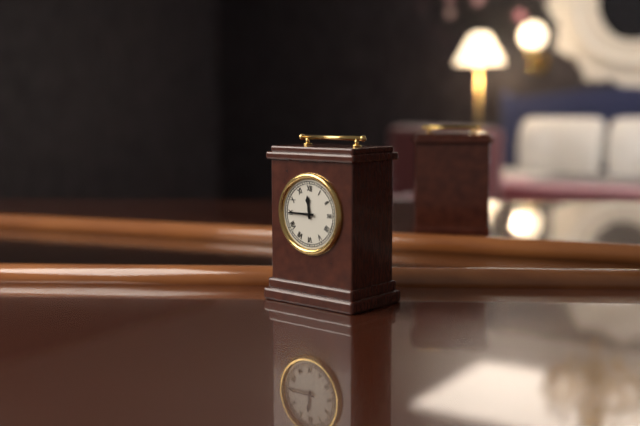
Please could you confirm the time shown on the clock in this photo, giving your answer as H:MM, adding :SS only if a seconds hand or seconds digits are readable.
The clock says 11:45
